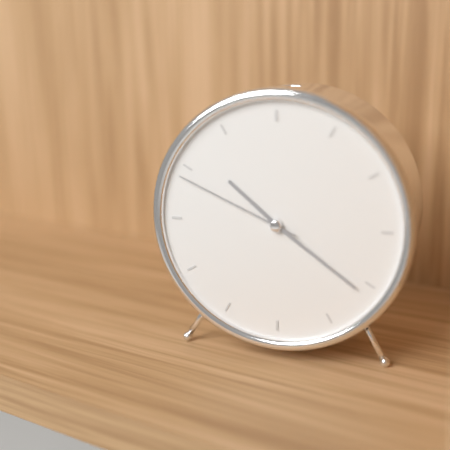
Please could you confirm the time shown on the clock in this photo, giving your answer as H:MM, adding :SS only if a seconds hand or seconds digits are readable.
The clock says 10:21:49
